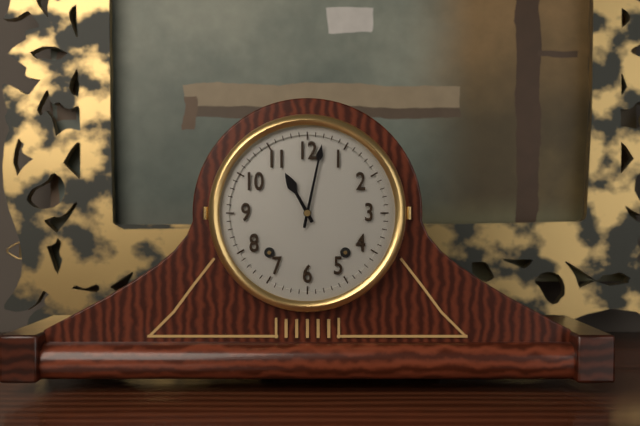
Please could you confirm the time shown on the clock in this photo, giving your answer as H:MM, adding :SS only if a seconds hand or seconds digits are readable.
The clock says 11:02
